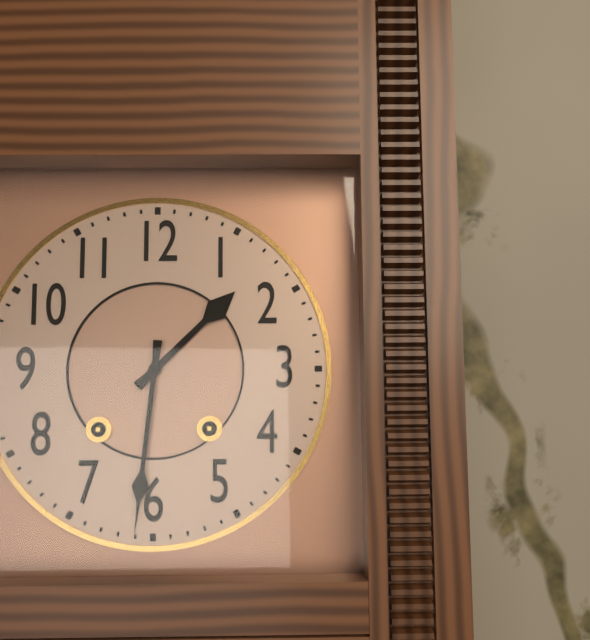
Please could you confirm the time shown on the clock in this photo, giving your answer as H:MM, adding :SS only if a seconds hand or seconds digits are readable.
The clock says 1:31
